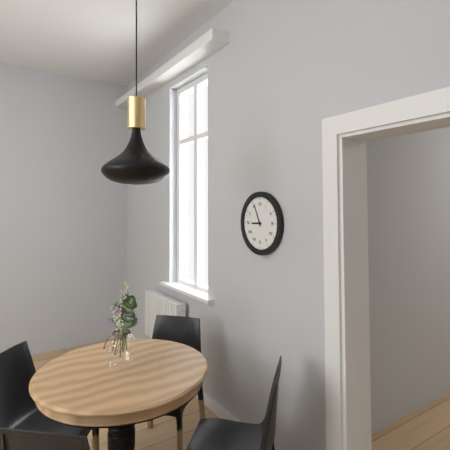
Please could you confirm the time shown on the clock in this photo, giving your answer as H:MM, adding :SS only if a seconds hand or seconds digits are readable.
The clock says 8:56
